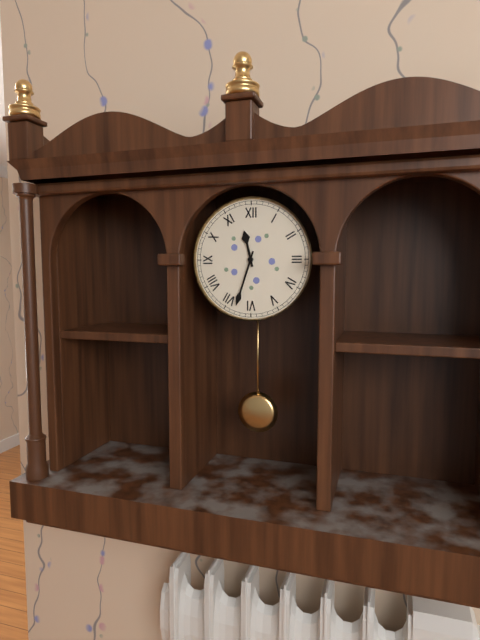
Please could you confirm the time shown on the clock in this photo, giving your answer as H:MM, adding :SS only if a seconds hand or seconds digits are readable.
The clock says 11:33
